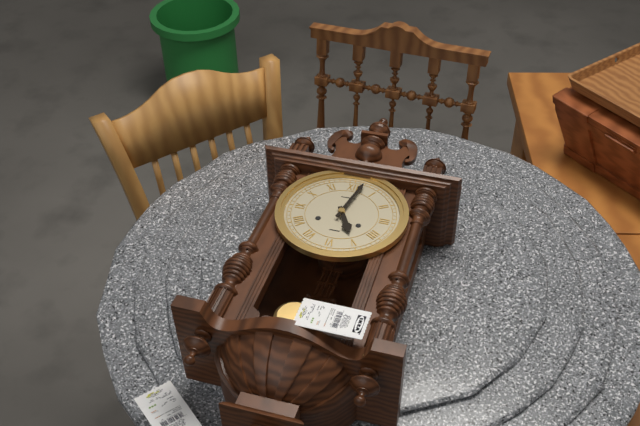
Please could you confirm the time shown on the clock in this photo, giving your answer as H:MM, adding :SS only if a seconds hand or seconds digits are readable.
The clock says 5:02
